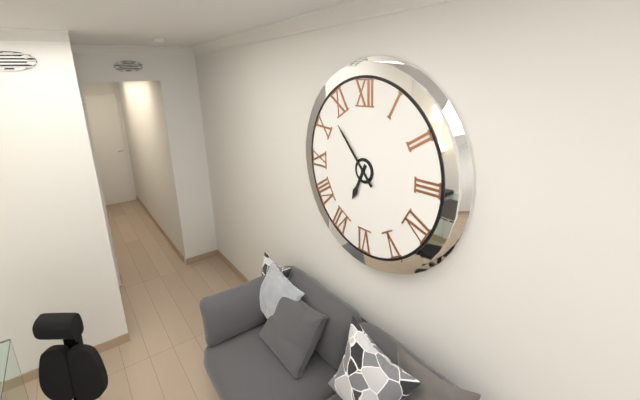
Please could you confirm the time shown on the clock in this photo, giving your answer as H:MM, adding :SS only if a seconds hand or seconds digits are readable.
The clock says 6:53
